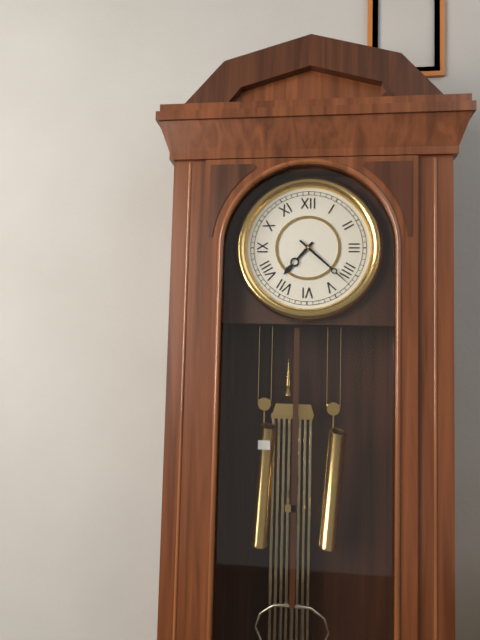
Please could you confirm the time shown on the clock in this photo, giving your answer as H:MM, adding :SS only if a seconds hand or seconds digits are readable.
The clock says 7:22
